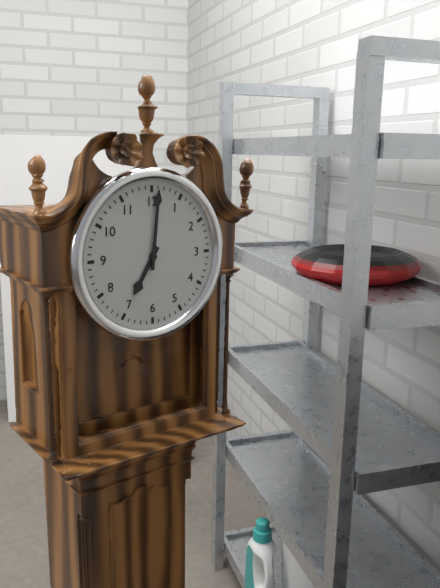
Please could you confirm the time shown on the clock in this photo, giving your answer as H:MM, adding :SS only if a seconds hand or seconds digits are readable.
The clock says 7:01
